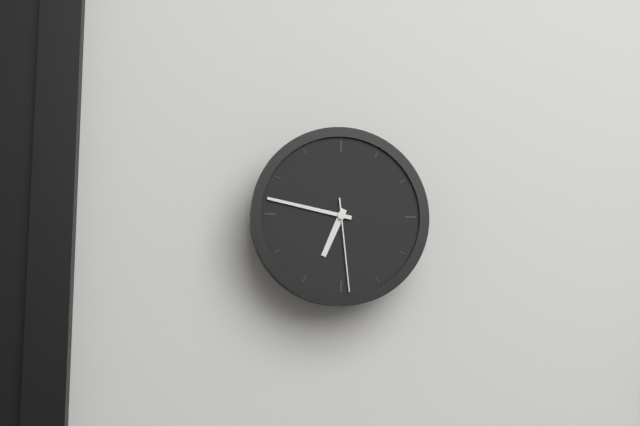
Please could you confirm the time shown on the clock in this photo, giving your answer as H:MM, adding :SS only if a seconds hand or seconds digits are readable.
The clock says 6:47:29
